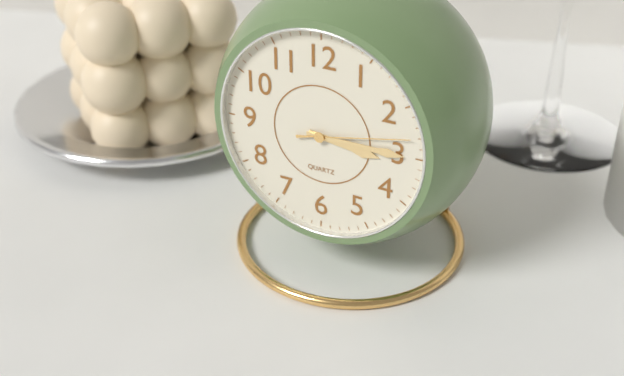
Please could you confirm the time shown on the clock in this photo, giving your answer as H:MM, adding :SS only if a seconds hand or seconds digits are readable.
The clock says 3:15:13
